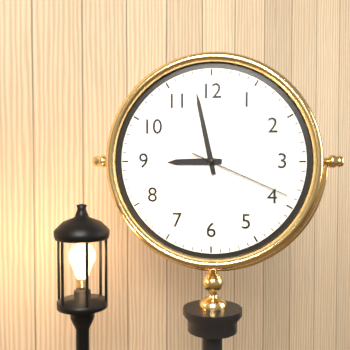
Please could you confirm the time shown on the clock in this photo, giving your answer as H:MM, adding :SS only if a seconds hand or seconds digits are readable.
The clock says 8:58:19
